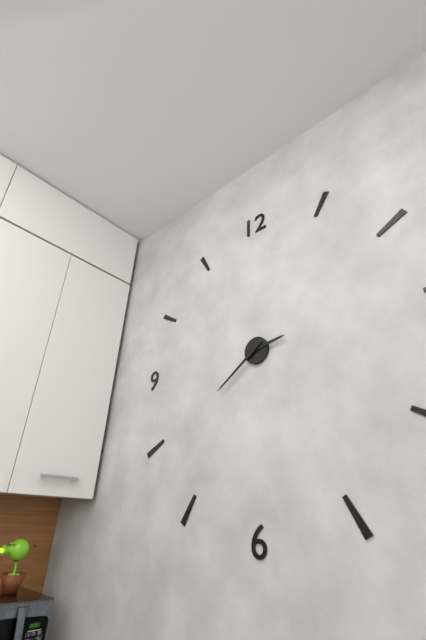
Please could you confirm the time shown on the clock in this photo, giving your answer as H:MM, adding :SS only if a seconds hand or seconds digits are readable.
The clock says 2:39
